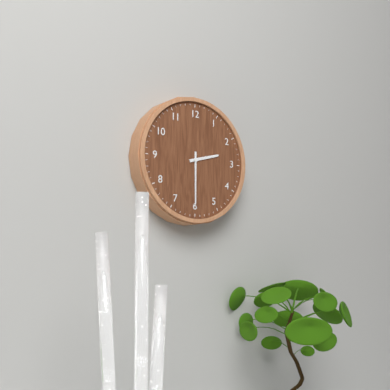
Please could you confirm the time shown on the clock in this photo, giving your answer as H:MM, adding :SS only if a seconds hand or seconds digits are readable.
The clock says 2:30
